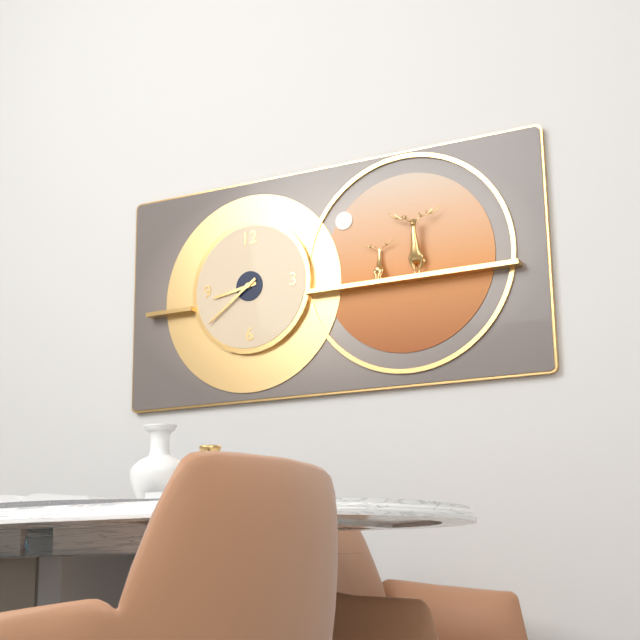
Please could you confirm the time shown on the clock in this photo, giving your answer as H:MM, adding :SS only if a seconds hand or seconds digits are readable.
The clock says 8:39
